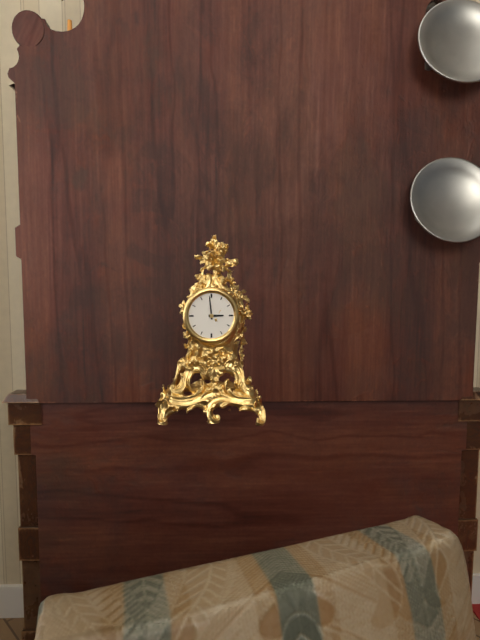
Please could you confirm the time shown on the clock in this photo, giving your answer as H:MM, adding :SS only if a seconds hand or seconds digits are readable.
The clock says 2:59
